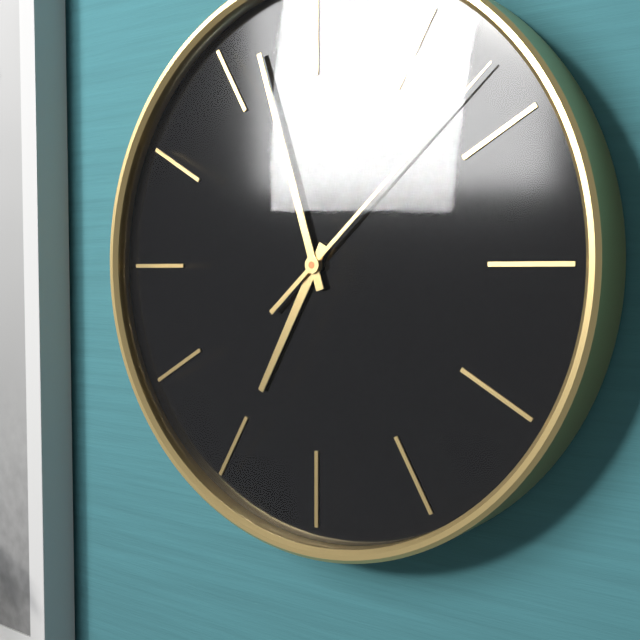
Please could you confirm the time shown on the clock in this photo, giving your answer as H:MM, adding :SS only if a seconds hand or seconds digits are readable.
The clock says 6:57:08
